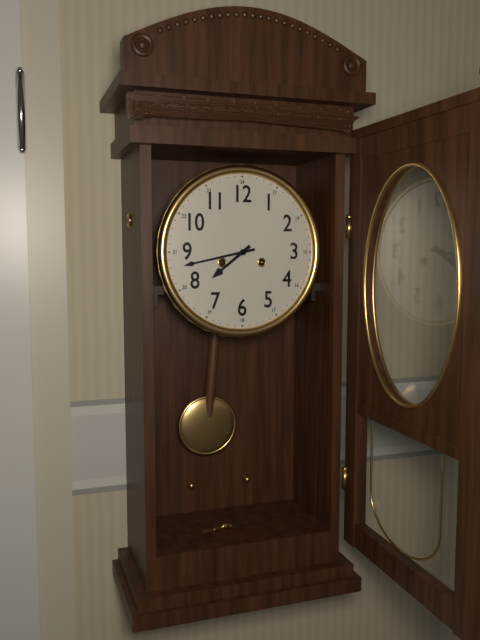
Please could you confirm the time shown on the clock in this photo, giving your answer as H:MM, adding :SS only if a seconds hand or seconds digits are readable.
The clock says 7:43
